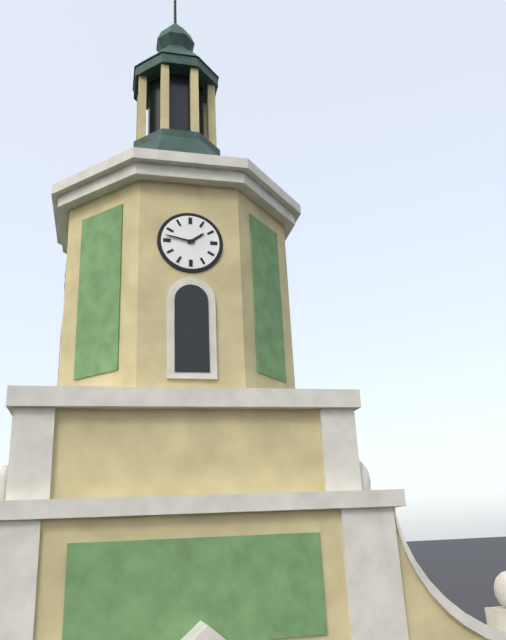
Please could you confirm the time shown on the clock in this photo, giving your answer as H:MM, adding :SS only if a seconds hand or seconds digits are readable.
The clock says 1:47
